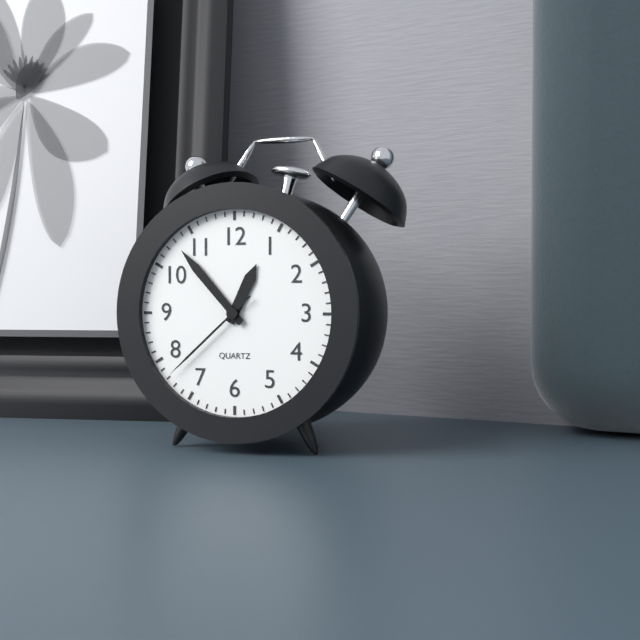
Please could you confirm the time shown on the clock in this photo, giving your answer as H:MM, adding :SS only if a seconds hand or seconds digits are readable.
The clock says 12:53:38
